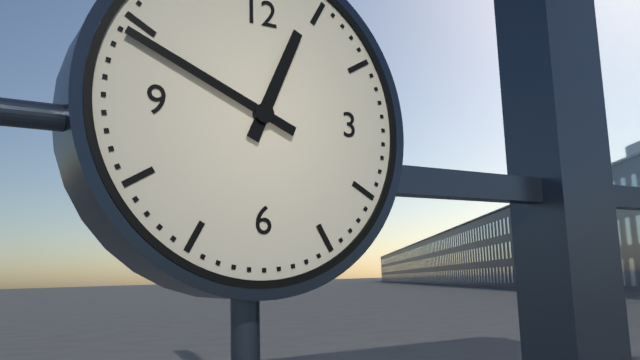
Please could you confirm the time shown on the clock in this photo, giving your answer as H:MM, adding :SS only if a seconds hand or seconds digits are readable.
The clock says 12:49
